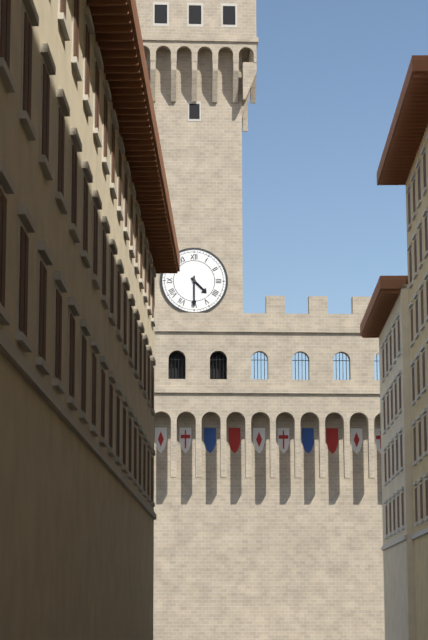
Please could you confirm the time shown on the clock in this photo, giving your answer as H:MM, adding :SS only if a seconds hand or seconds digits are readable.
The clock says 4:30
